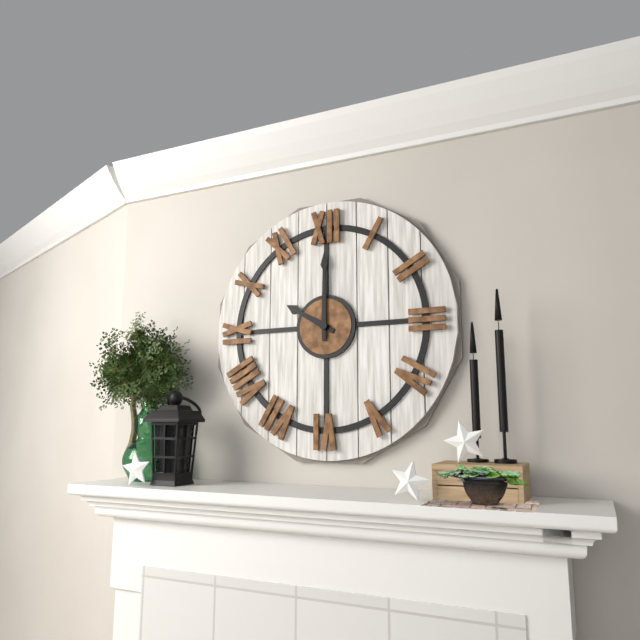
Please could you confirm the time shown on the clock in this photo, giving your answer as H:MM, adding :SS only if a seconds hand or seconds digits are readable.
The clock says 10:00
